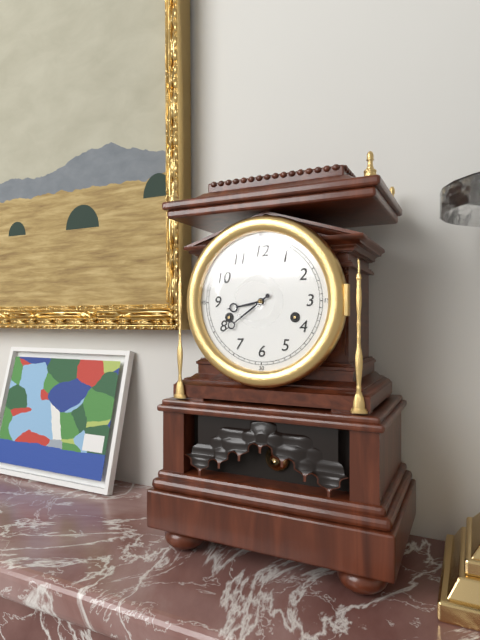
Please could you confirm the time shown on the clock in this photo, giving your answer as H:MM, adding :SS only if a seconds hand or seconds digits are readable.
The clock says 8:39
